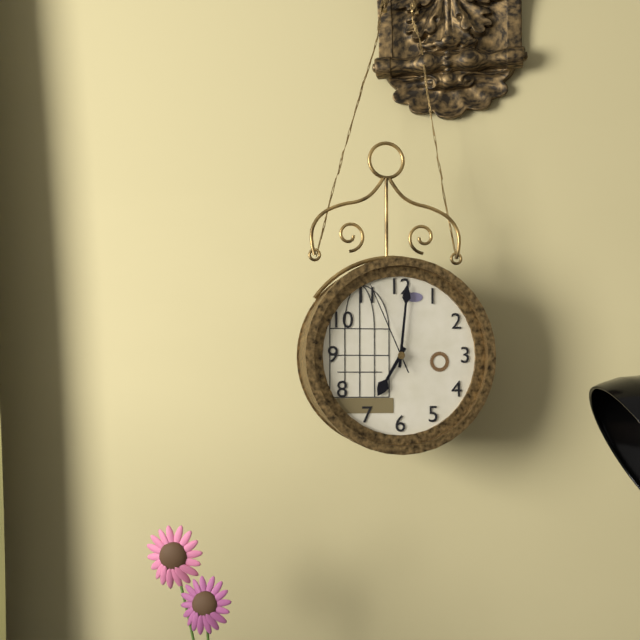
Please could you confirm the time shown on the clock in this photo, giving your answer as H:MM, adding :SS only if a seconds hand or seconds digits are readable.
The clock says 7:01:56
